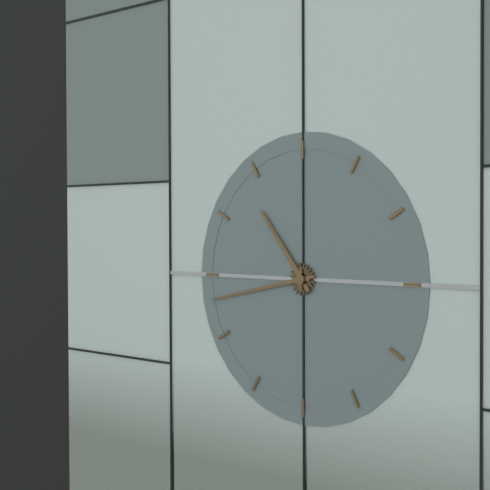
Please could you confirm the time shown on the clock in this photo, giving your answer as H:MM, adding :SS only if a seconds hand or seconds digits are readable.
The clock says 10:43
